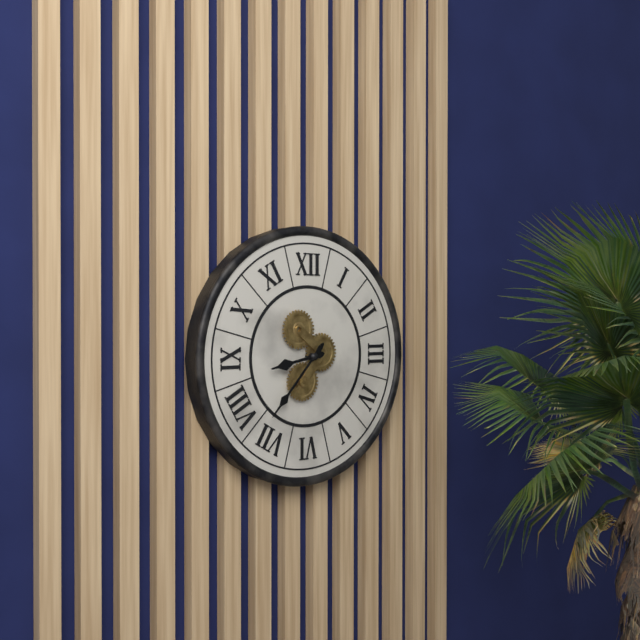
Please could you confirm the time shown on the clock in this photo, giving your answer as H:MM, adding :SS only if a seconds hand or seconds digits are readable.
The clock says 8:37
